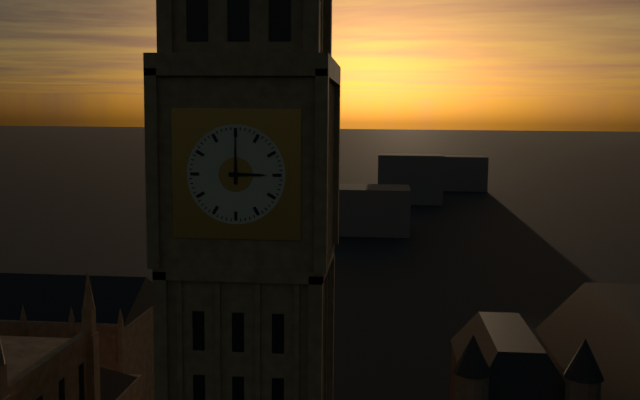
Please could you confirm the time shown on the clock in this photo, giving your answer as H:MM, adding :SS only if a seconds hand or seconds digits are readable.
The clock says 3:00
